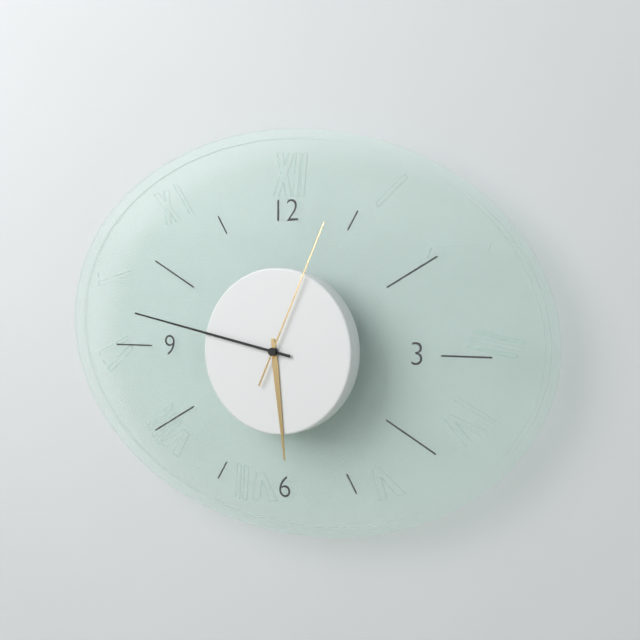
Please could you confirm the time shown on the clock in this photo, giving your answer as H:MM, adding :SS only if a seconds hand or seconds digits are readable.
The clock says 5:47:04
